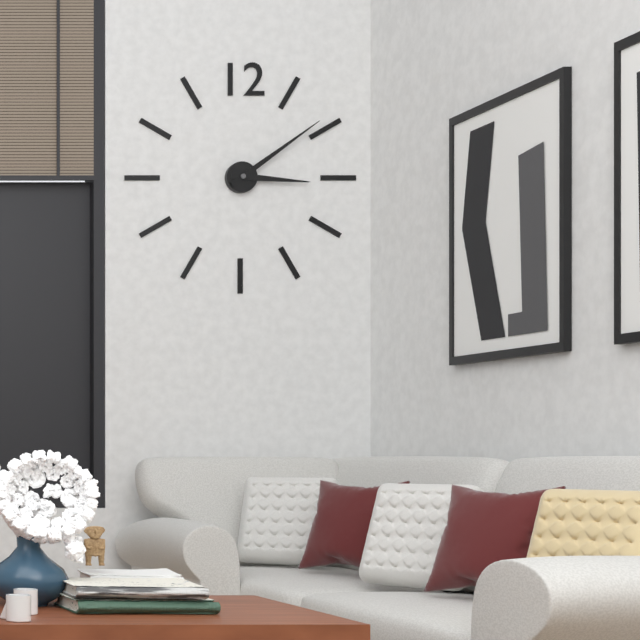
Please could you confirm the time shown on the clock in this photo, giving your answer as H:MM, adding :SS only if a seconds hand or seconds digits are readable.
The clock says 3:09
